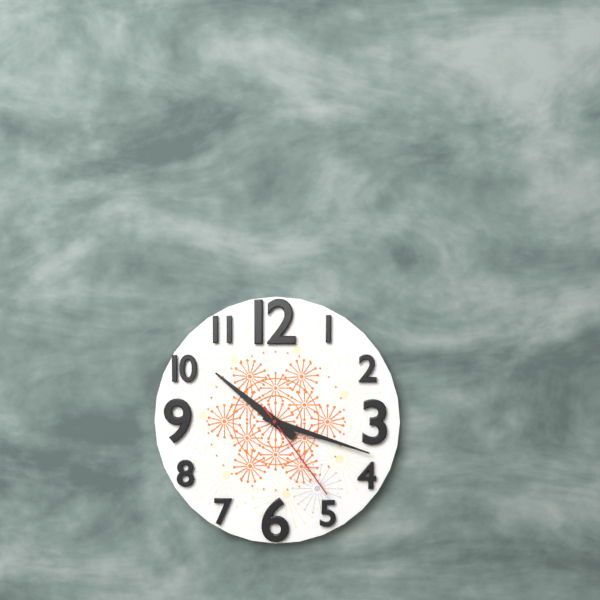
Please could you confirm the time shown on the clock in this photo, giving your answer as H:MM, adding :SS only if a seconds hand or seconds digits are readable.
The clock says 10:18:24
